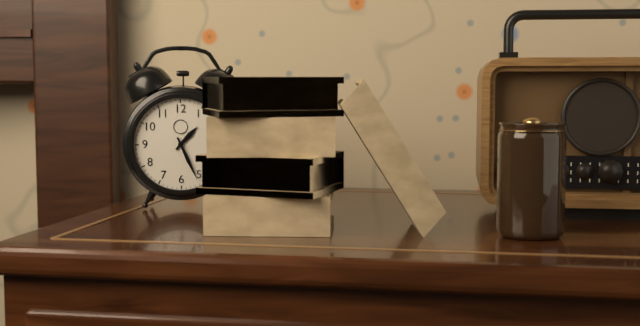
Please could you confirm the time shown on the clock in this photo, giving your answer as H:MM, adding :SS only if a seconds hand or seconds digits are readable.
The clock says 1:26
